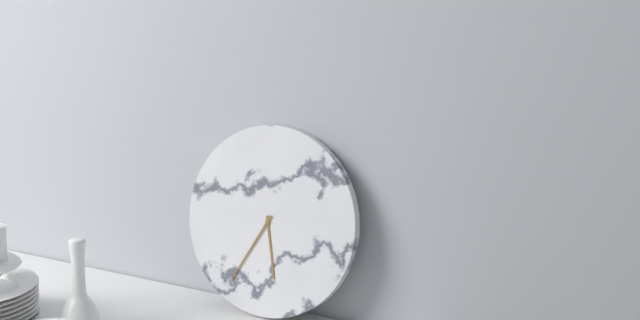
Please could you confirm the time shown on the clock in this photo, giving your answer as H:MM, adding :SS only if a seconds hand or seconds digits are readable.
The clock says 5:35
